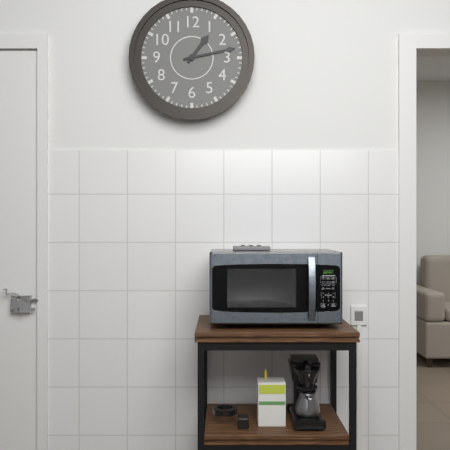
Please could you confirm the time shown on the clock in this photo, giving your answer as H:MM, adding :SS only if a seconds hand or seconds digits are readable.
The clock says 1:13
